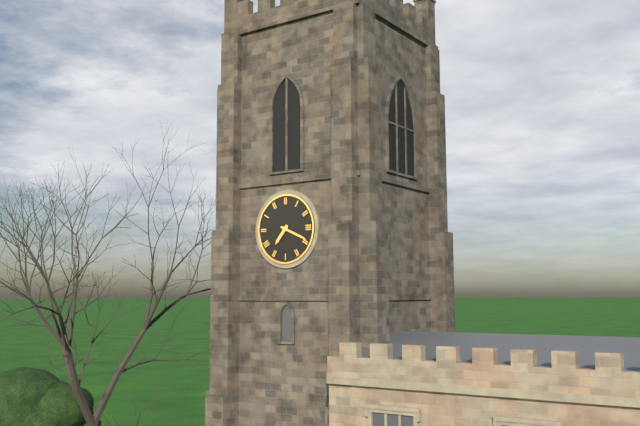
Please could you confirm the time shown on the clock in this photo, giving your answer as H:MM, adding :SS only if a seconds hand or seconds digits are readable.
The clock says 7:19
